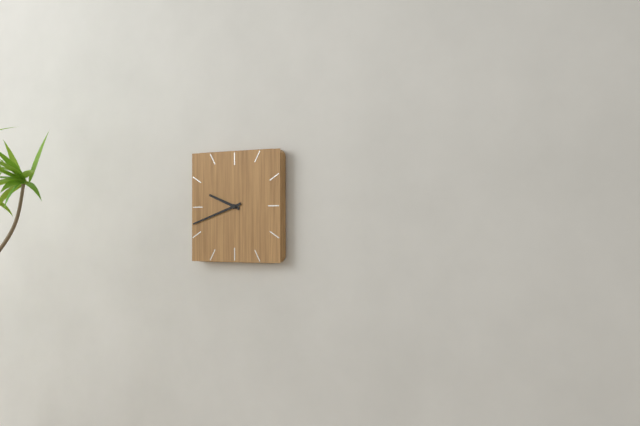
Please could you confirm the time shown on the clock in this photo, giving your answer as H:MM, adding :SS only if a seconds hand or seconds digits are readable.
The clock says 9:42
